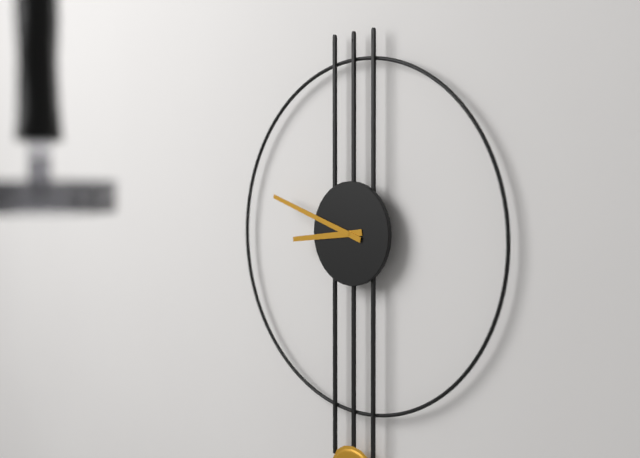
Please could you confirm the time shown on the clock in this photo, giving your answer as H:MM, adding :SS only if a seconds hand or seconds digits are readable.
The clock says 8:48
